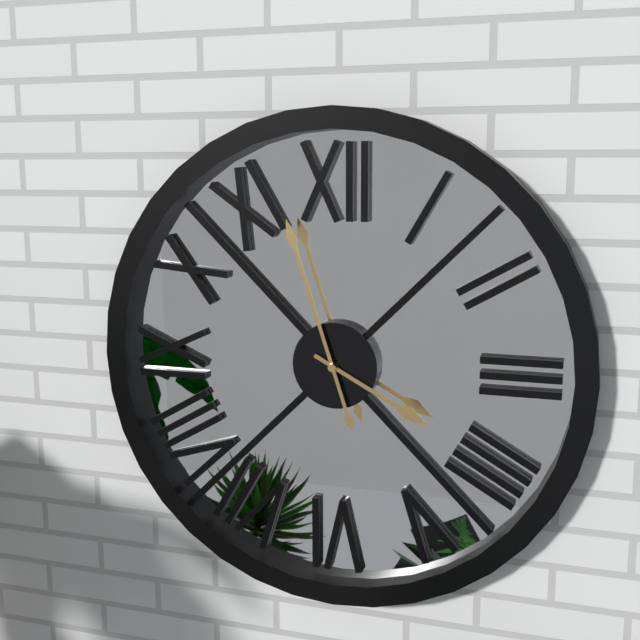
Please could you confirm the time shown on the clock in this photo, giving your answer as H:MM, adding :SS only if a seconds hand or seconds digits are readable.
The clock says 3:57
